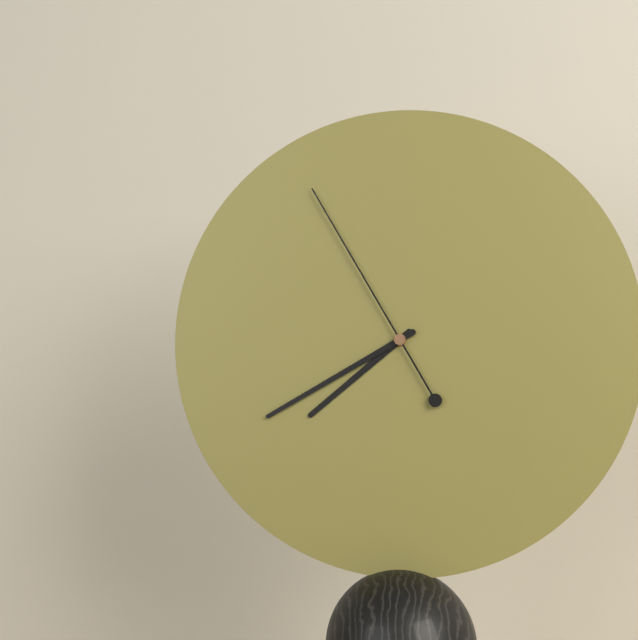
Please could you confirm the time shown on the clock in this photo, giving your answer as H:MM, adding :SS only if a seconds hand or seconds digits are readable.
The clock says 7:40:55
